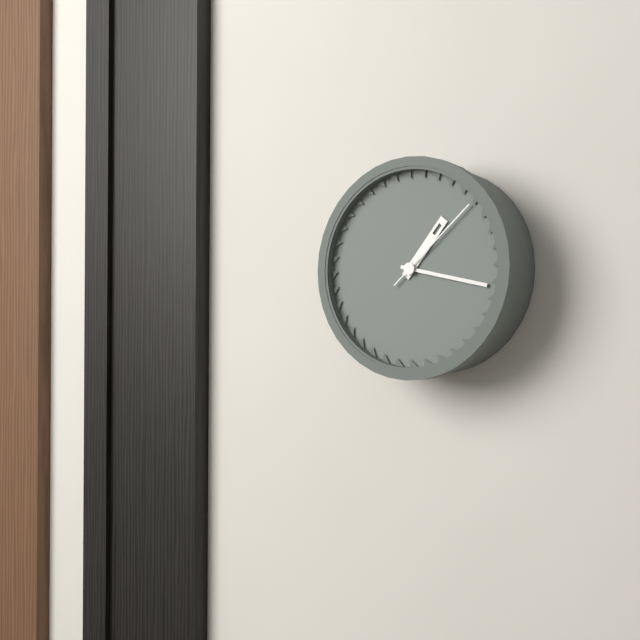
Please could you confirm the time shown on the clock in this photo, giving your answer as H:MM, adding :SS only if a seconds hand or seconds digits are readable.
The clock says 1:17:08
